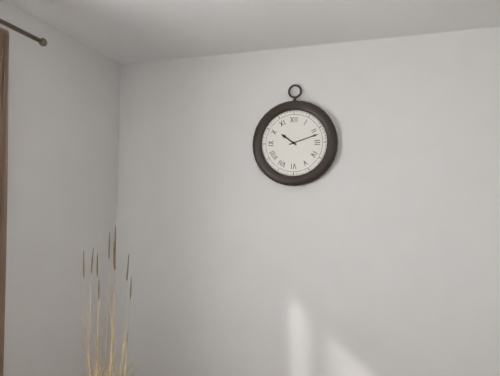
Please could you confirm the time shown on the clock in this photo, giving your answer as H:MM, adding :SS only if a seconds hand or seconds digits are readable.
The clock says 10:12
